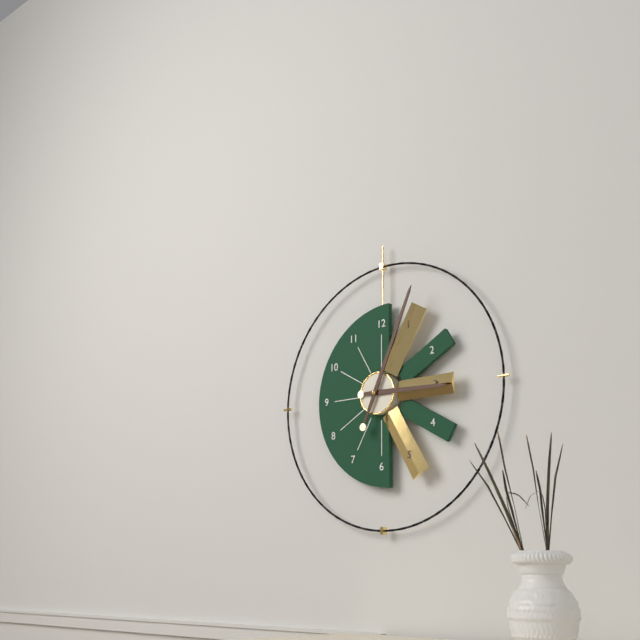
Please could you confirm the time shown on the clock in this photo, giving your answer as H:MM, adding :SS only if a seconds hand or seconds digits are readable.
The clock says 3:04
